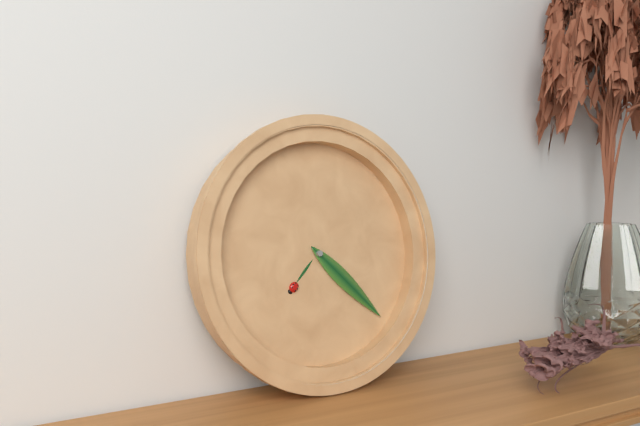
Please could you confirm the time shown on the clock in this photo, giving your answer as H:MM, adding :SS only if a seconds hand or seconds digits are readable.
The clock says 7:22
